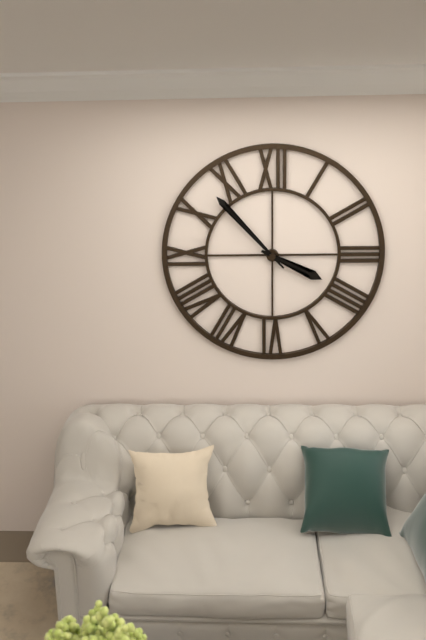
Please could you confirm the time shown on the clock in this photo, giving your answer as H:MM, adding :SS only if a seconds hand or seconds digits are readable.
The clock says 3:53
